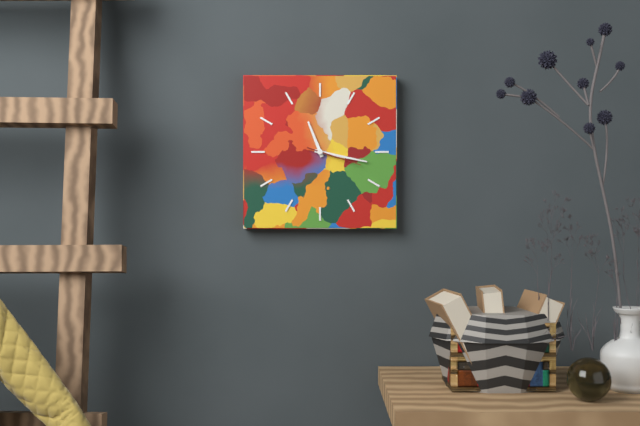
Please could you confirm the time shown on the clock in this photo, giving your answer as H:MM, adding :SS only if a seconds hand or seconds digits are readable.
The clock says 11:17:18
